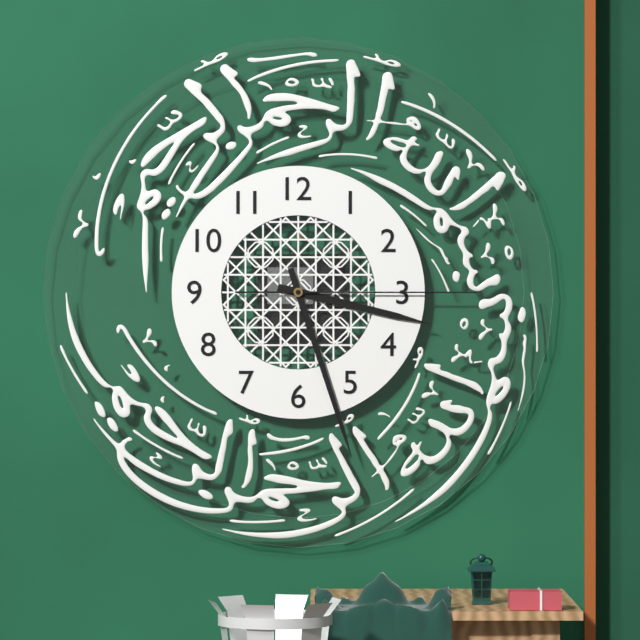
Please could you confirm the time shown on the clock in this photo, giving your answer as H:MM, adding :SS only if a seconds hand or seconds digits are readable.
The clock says 3:27:15
